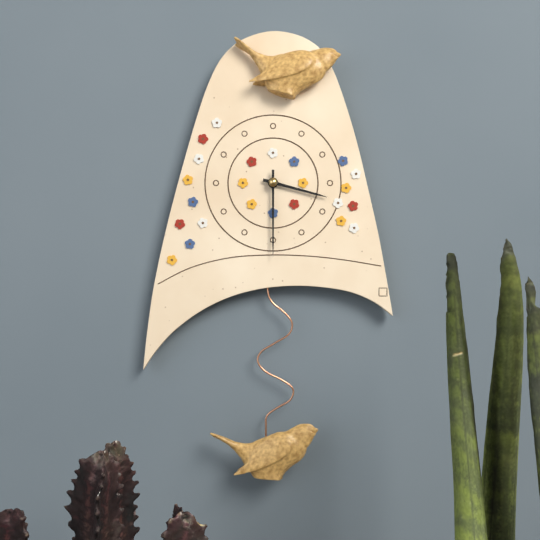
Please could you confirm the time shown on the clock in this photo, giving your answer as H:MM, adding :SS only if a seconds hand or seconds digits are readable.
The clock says 3:30
